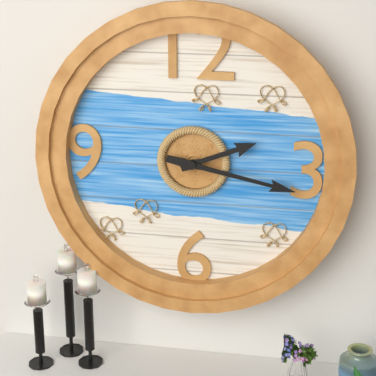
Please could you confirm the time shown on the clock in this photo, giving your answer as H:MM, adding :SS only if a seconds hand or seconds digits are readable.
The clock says 2:17
